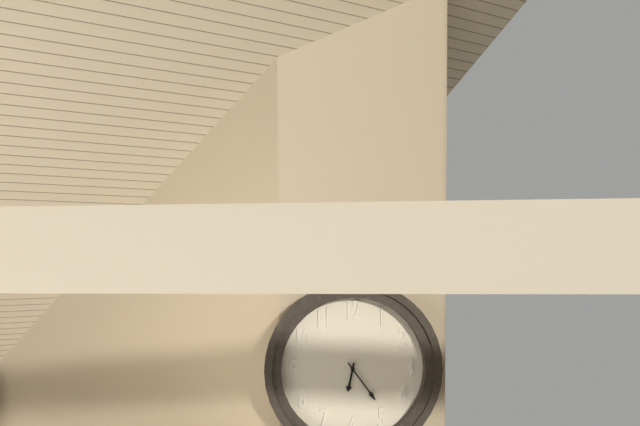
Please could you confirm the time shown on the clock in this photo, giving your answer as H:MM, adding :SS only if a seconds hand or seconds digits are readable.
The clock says 6:24
